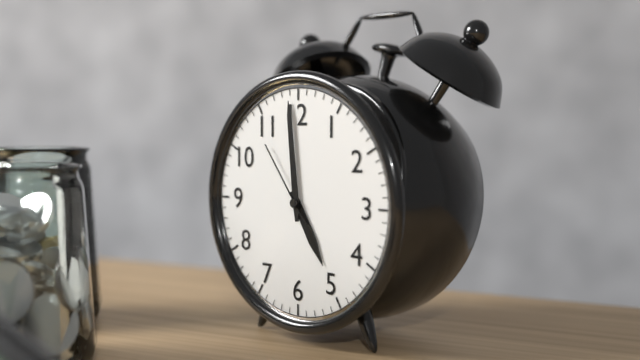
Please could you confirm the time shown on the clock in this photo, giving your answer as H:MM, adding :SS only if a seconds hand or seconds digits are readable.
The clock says 4:59:54
